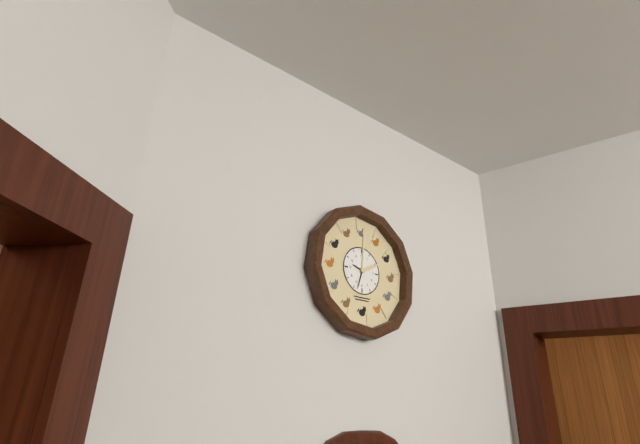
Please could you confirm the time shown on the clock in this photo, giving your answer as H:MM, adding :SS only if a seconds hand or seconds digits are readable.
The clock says 9:33
